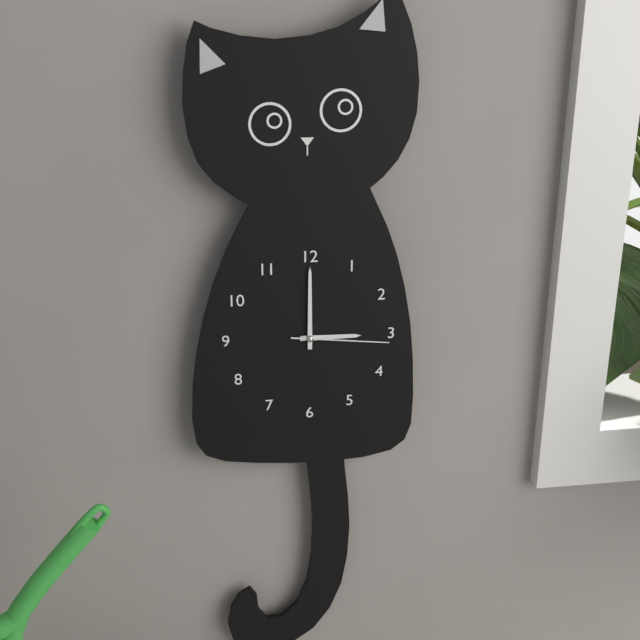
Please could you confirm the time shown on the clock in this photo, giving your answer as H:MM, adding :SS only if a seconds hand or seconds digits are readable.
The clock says 3:00:16
